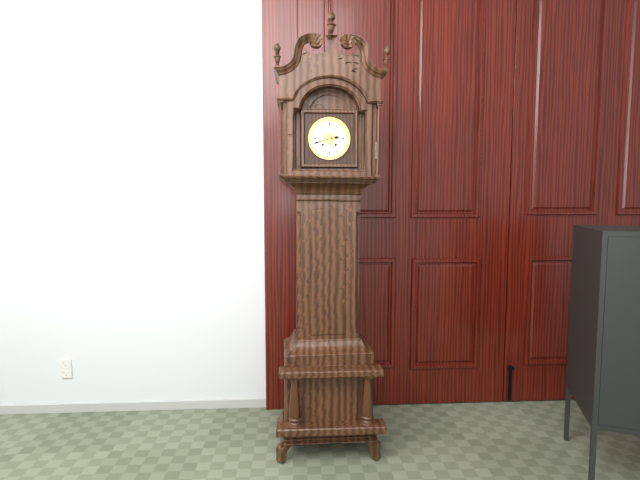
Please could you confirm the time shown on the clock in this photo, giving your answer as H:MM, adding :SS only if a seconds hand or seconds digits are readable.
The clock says 2:42
